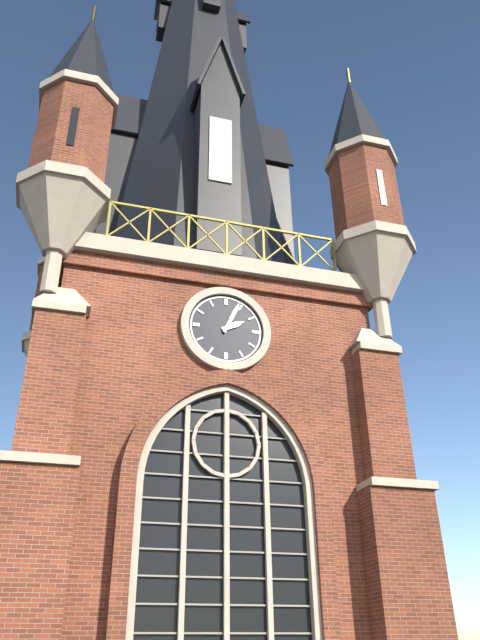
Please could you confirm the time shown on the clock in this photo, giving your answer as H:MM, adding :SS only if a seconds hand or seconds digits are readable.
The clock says 2:04
